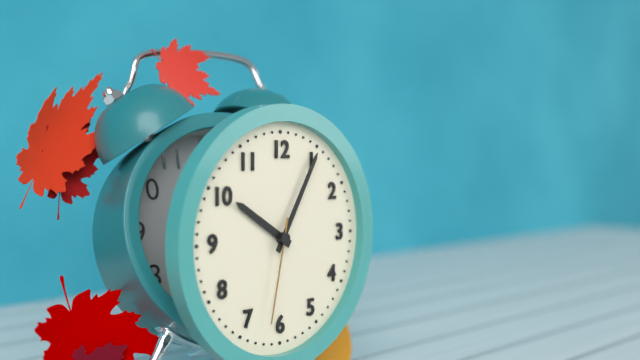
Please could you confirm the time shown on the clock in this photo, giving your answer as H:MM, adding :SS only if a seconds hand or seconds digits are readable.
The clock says 10:05:32
